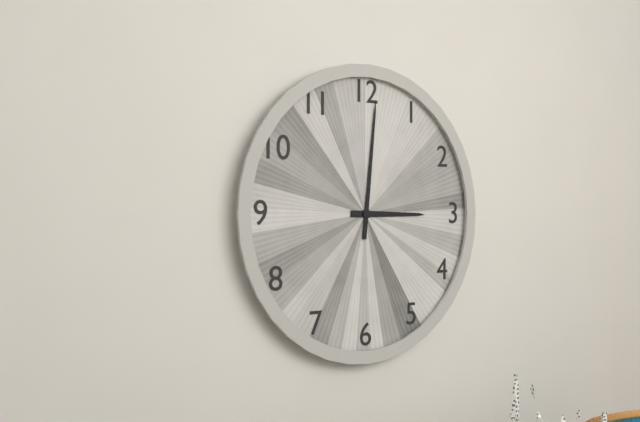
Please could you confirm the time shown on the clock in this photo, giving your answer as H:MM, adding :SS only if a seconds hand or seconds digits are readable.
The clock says 3:01
